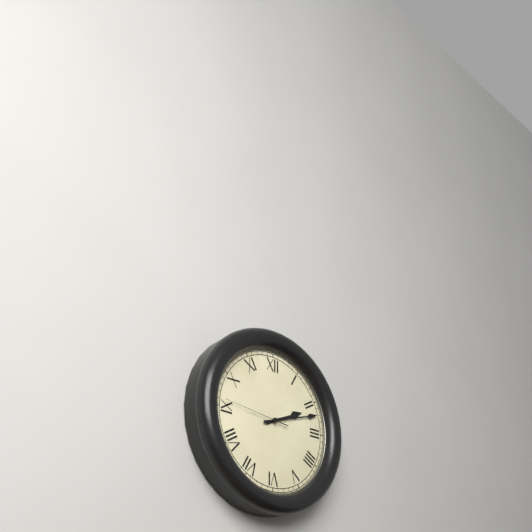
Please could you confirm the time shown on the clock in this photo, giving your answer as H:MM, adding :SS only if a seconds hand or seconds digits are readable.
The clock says 2:12:46
